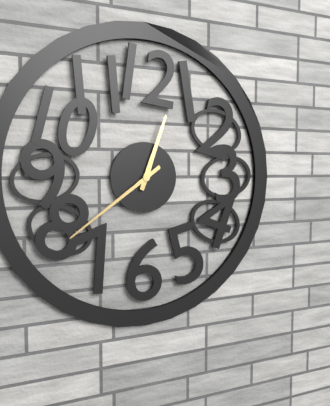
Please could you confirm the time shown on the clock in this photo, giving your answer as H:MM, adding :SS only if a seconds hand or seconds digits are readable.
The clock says 12:39
